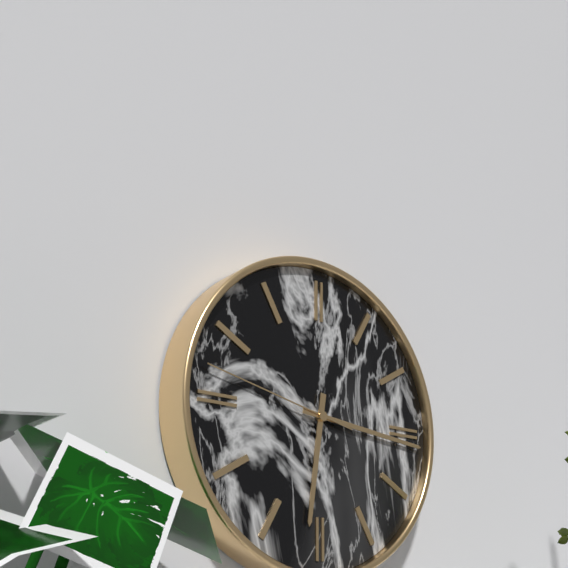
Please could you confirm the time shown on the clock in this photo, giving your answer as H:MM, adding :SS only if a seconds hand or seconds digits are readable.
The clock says 6:16:47
